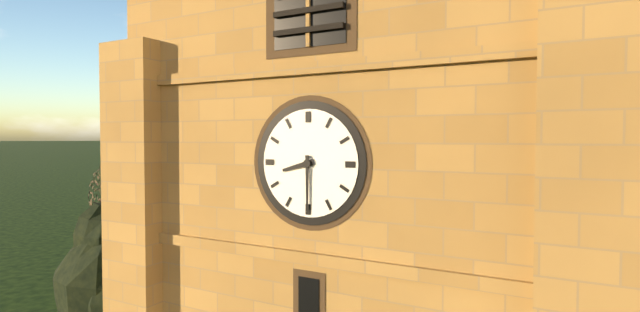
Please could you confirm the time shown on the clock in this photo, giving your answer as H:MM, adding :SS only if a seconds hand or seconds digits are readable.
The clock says 8:30
